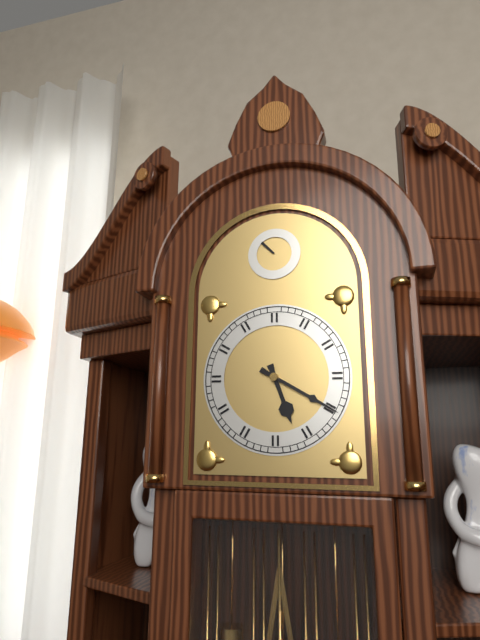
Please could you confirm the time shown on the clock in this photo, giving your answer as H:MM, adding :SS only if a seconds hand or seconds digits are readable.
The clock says 5:20
